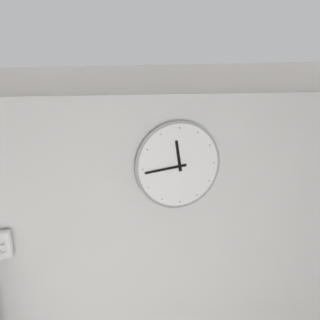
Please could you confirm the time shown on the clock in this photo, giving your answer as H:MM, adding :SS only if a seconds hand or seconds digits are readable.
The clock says 11:44
